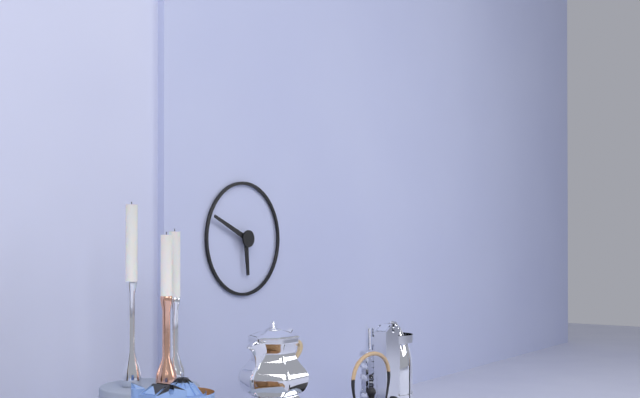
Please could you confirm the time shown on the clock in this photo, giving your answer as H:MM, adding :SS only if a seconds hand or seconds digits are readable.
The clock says 5:49
